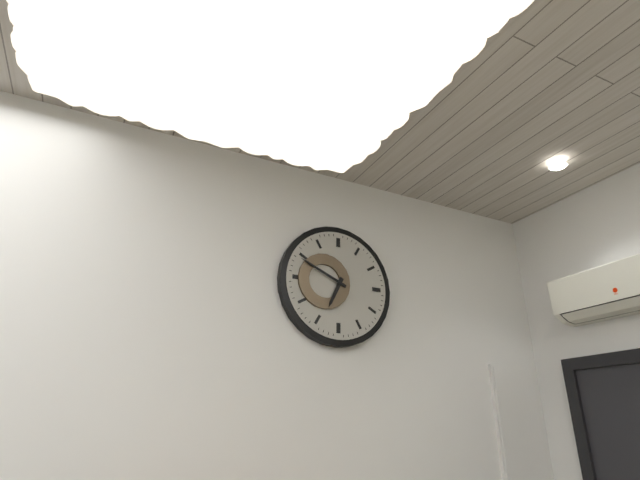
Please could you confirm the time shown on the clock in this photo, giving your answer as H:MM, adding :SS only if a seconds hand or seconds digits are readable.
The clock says 6:49
